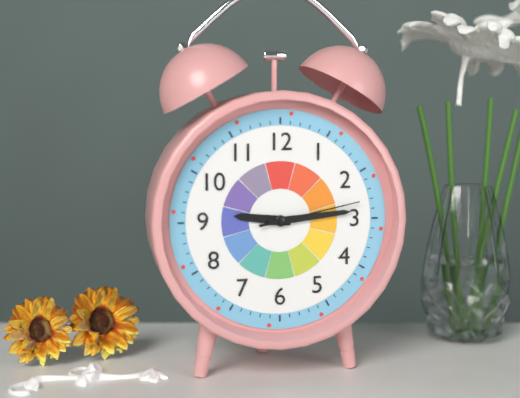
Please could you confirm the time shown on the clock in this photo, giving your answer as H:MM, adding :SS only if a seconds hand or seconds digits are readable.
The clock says 9:14:13
